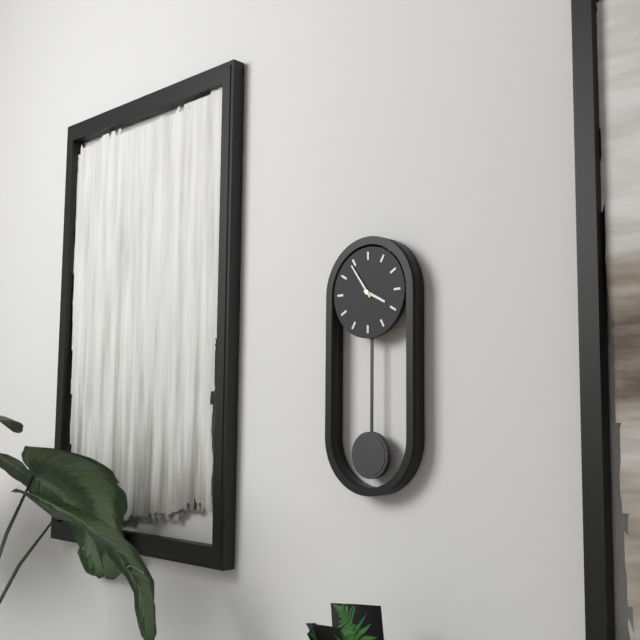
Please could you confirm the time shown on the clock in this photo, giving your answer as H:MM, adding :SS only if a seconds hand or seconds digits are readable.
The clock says 3:54
